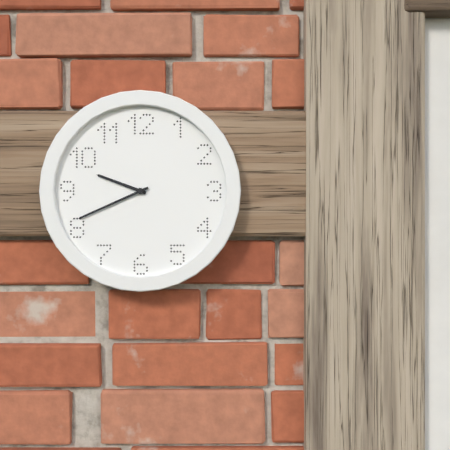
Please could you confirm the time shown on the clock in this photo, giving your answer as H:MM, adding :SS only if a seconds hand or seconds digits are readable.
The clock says 9:41
